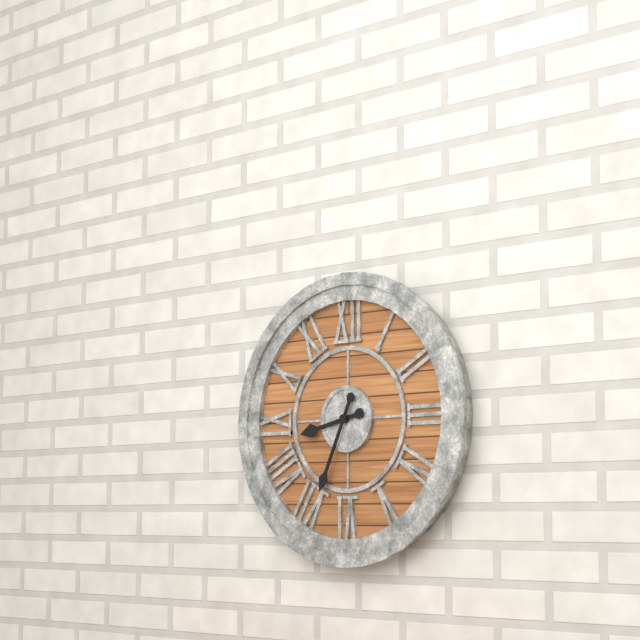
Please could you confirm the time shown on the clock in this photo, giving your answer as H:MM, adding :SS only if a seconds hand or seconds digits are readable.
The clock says 8:34
